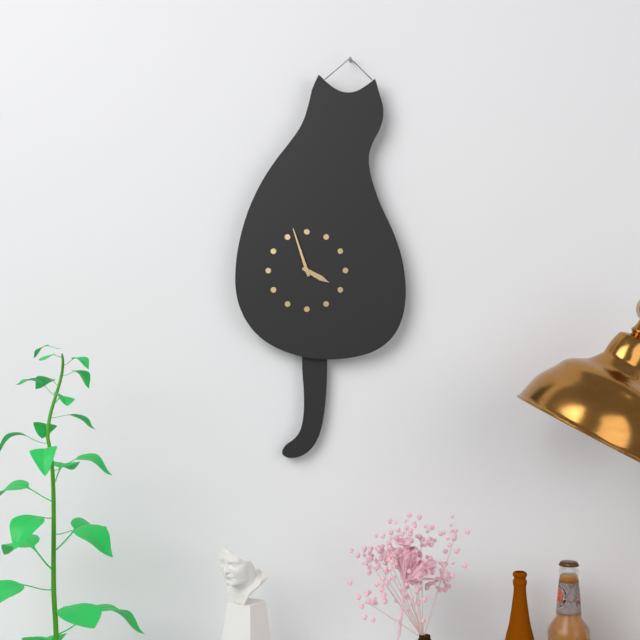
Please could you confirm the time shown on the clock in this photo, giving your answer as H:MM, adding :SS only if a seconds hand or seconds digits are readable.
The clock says 3:57
